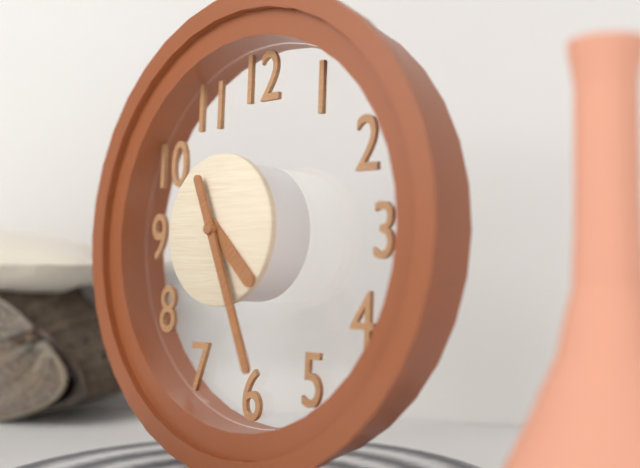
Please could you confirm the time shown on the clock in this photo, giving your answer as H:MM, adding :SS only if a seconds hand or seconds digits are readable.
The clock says 4:26
